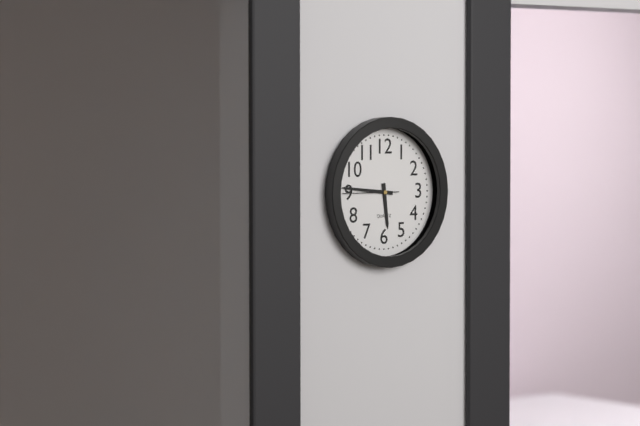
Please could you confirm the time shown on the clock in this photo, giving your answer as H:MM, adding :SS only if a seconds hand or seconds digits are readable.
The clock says 5:46:45
